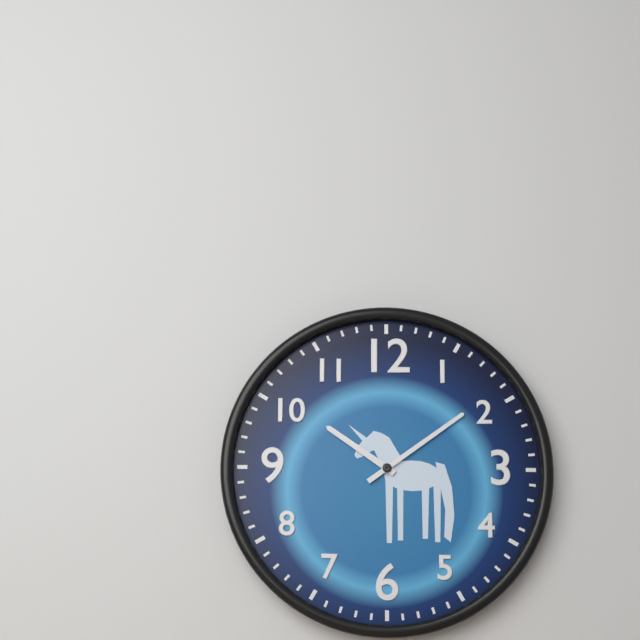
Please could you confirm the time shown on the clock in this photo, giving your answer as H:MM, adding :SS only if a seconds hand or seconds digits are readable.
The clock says 10:09
